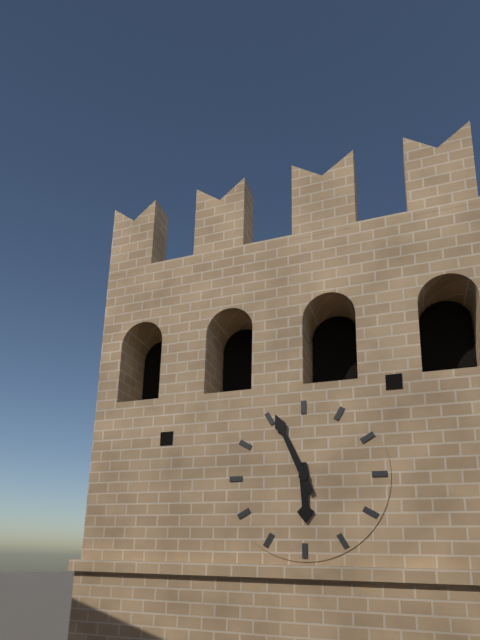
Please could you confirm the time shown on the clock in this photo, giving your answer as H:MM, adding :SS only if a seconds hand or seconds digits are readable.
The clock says 5:56
